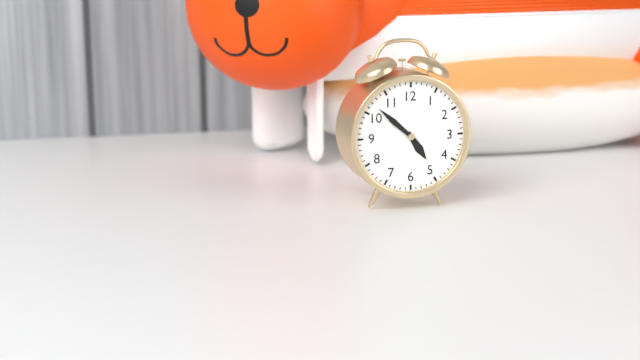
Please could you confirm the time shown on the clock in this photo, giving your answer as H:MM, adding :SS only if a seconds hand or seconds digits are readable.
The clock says 4:52
